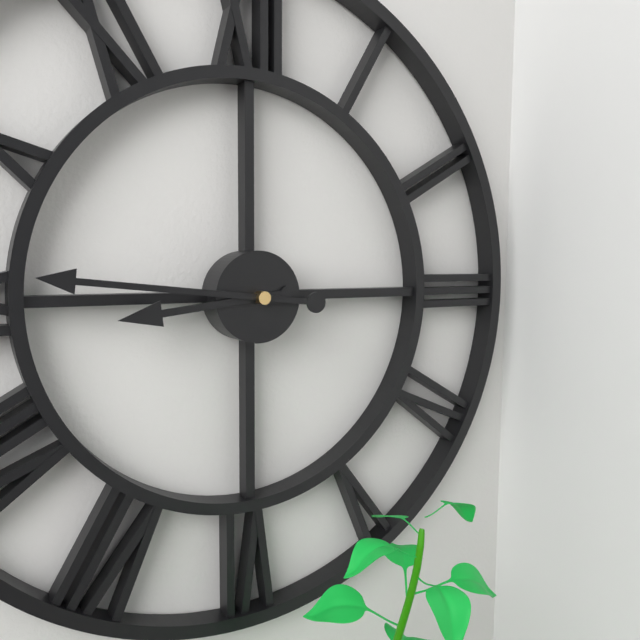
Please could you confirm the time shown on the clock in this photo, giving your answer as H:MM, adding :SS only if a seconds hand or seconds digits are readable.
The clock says 8:46
